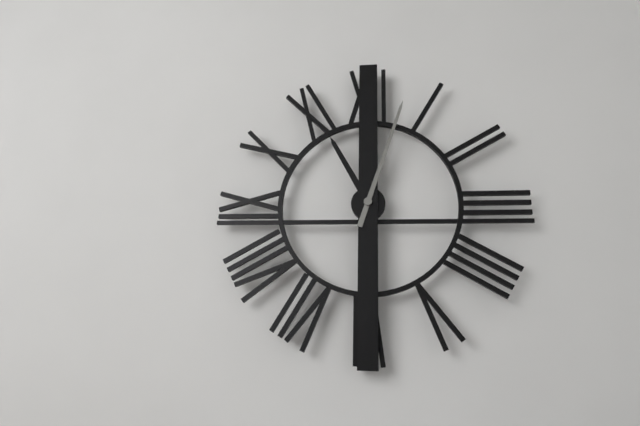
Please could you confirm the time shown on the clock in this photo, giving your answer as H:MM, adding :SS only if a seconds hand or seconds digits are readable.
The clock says 11:03
